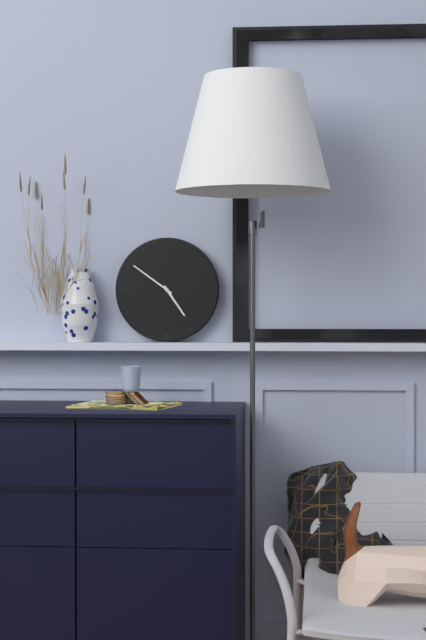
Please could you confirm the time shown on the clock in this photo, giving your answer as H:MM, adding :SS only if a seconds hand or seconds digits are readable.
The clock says 4:51
